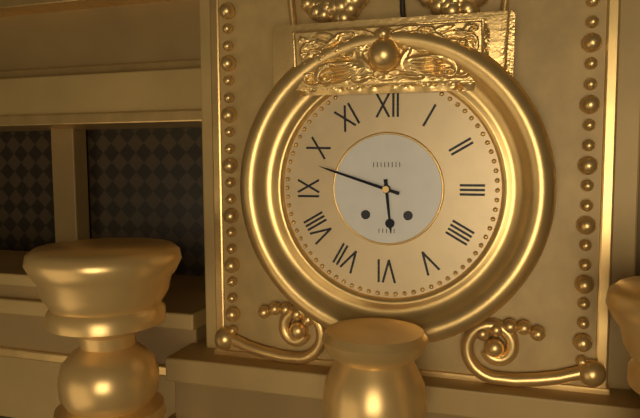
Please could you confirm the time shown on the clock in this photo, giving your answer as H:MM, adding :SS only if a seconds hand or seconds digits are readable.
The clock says 5:48
